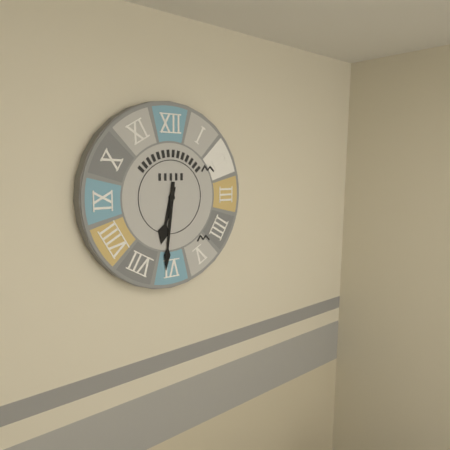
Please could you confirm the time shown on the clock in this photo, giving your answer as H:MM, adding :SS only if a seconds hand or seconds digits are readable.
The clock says 6:31
